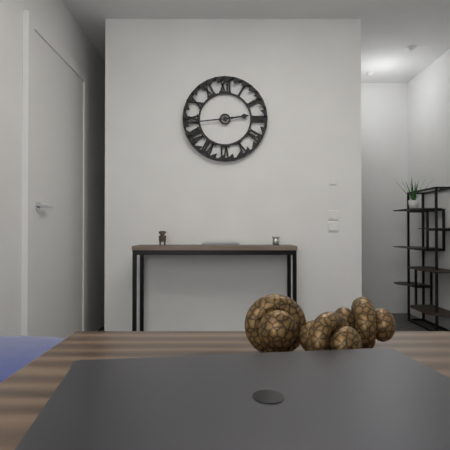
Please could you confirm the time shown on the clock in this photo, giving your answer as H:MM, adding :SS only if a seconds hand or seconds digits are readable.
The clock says 2:44
